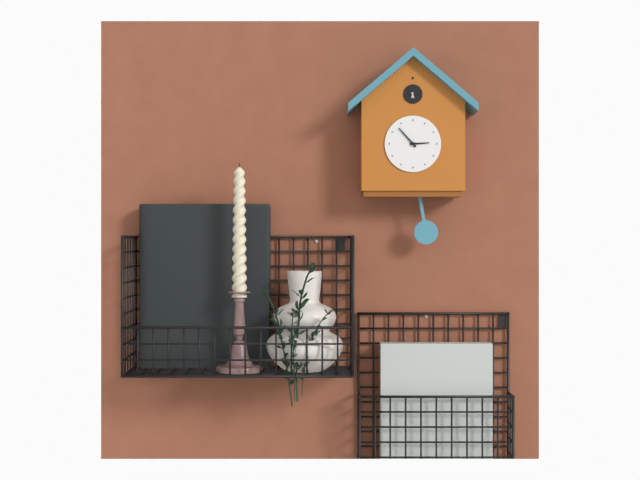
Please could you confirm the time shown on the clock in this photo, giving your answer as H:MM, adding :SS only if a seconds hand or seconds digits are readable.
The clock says 2:53
